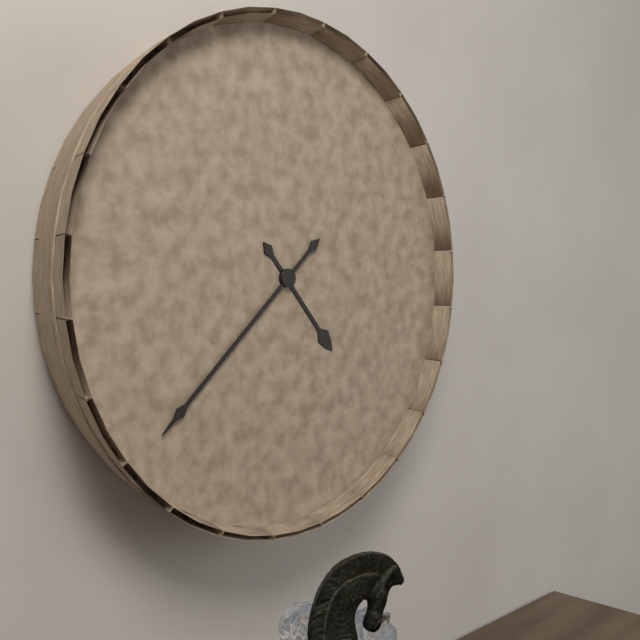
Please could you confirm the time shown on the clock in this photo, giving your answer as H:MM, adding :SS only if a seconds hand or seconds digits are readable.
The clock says 4:38
